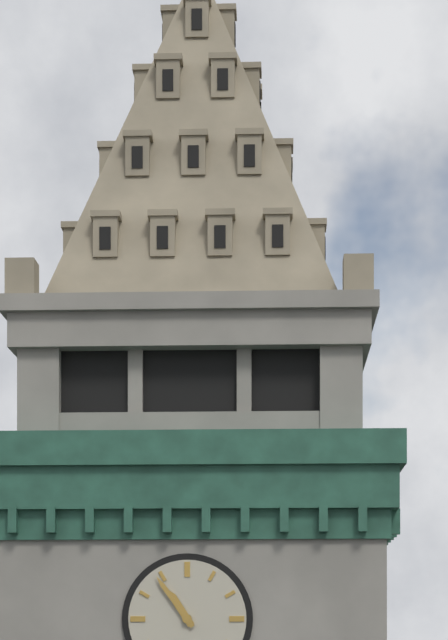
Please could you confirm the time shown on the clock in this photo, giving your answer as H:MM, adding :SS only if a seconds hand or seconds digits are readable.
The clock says 10:54
